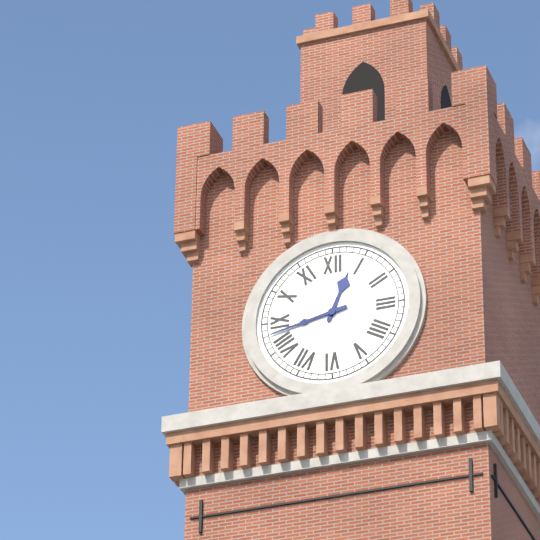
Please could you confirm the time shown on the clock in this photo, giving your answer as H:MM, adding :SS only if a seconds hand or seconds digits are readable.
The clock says 12:43
